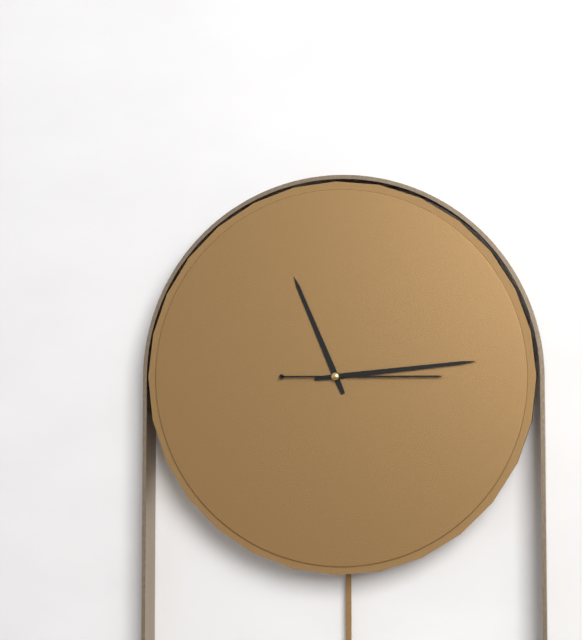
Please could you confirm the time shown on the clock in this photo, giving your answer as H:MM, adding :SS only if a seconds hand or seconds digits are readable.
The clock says 11:14:15
